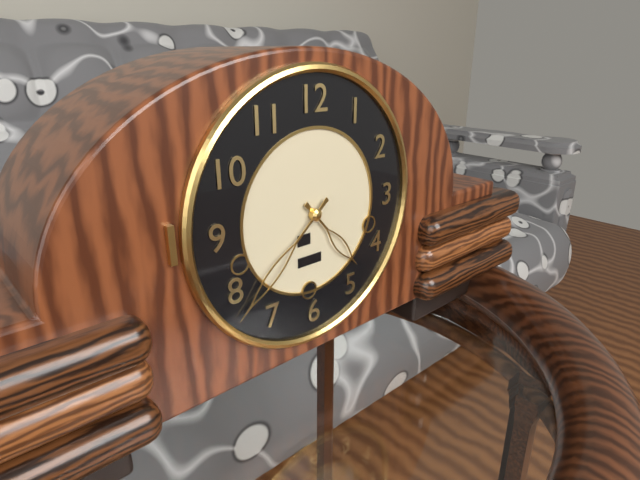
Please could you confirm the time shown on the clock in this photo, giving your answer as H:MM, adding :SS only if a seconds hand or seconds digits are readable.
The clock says 4:38
